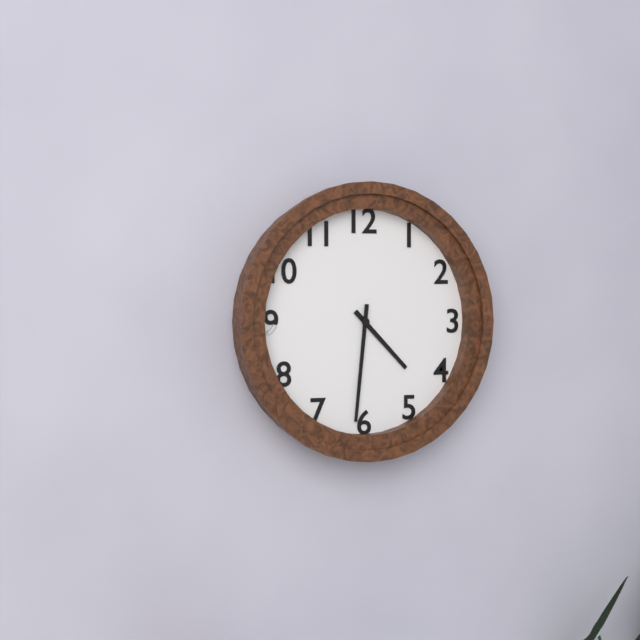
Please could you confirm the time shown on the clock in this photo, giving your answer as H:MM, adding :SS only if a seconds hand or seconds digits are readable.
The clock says 4:31
